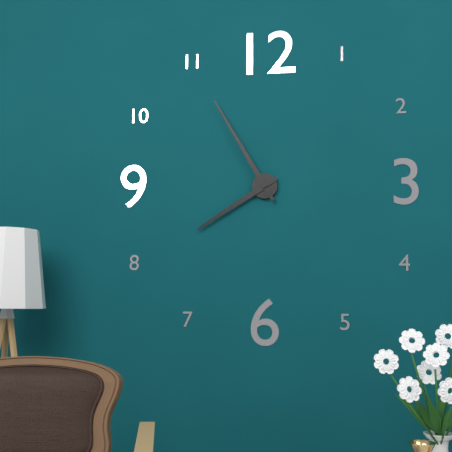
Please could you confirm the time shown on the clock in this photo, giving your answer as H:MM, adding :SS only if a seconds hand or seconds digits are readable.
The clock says 7:55
